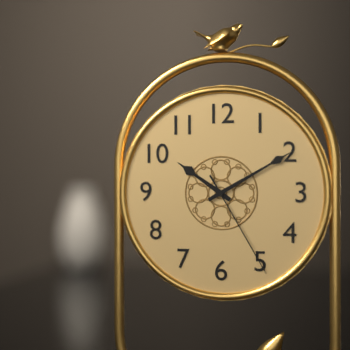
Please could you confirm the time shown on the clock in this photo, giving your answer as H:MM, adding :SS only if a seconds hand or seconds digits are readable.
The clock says 10:10:25
